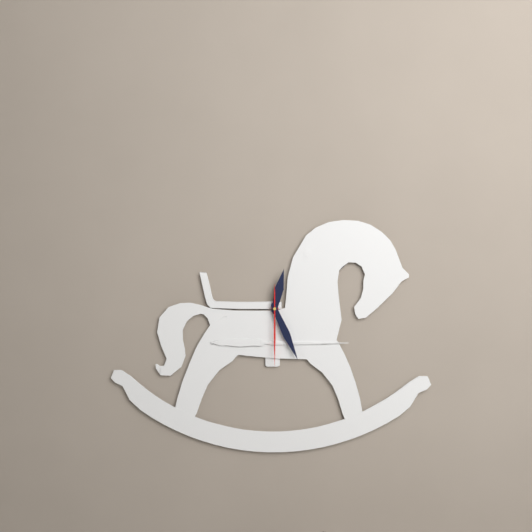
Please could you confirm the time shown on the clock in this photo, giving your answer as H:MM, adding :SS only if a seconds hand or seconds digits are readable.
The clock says 12:26:30
